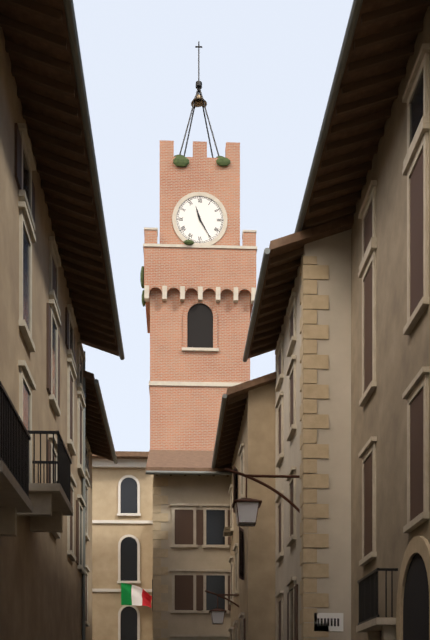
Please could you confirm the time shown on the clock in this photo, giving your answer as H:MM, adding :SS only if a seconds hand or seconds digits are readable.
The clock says 11:25
